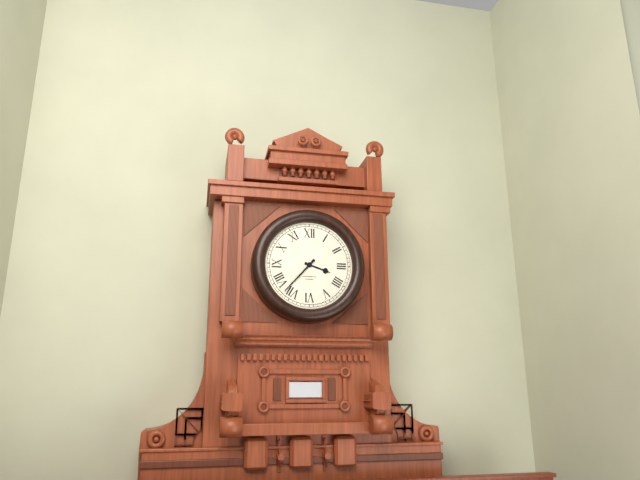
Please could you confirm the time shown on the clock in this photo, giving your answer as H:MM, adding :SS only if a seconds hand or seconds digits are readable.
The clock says 3:37
